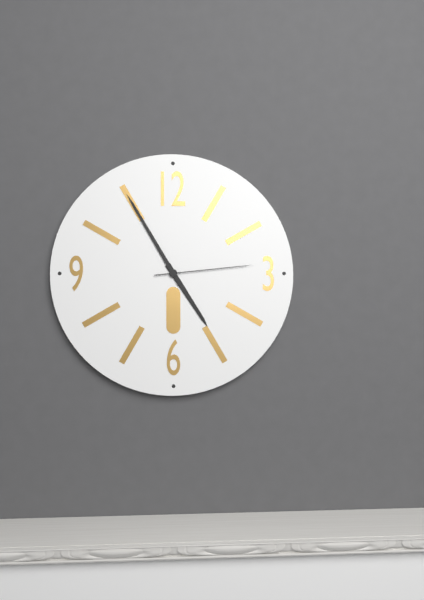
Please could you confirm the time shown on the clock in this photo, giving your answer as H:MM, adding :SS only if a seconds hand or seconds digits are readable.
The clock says 4:55:14
